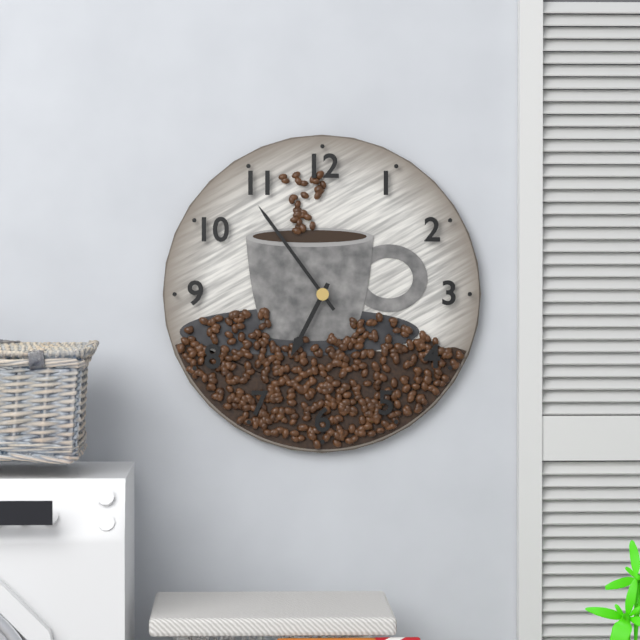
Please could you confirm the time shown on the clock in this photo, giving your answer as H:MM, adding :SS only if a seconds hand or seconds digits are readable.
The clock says 6:54
